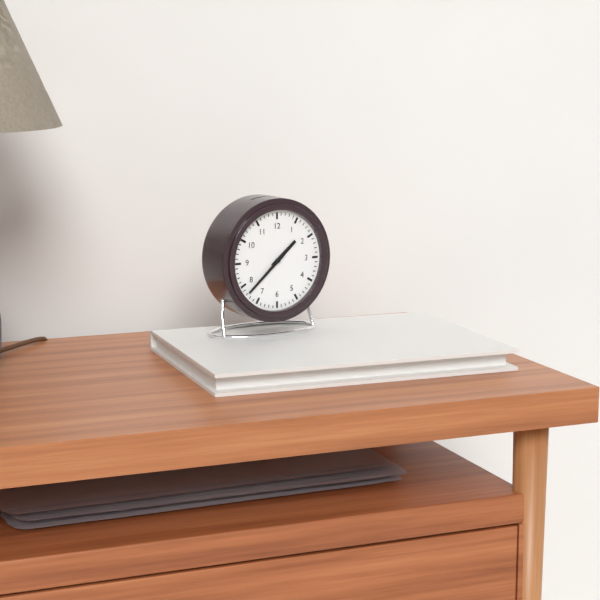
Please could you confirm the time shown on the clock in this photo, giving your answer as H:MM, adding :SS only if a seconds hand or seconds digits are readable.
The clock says 1:38
